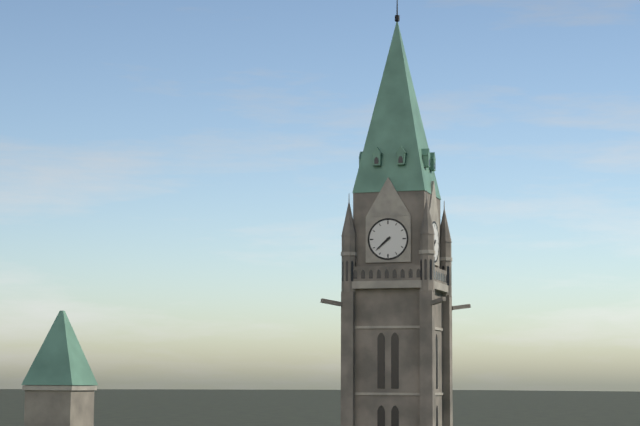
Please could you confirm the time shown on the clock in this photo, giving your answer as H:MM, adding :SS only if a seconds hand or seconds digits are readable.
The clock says 7:38
